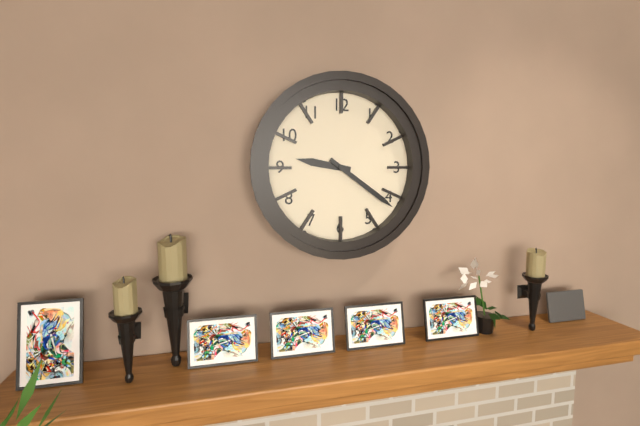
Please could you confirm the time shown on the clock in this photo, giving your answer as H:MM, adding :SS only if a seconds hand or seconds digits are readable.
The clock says 9:21
